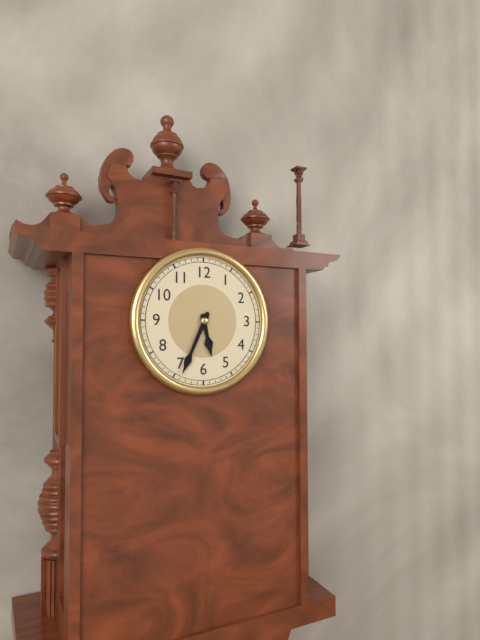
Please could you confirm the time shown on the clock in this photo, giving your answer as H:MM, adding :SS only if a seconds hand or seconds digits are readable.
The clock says 5:34
